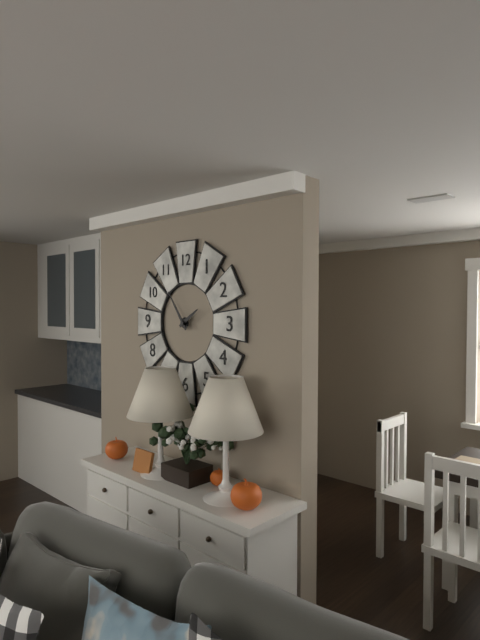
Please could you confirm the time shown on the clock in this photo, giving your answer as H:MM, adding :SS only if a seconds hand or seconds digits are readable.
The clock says 1:54
